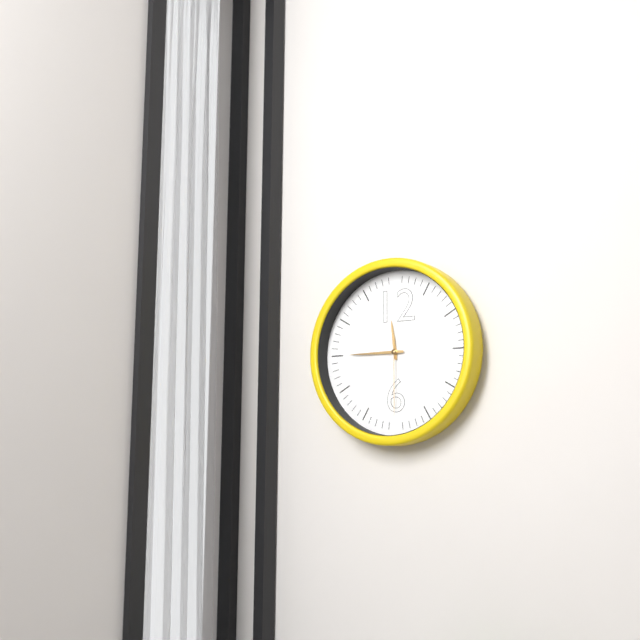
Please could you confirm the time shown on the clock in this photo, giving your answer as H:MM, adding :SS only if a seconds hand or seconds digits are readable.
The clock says 11:45:30
